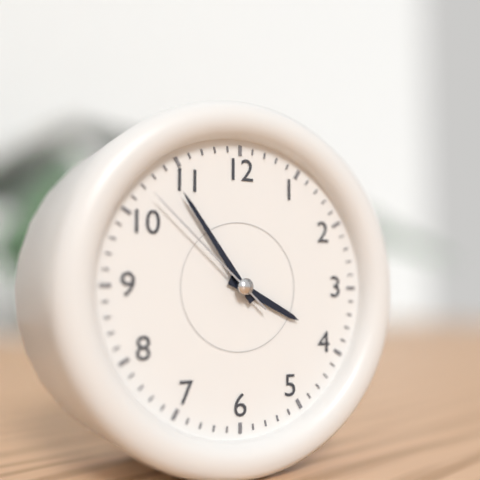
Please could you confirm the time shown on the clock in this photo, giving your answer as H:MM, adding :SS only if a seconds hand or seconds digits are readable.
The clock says 3:54:52
